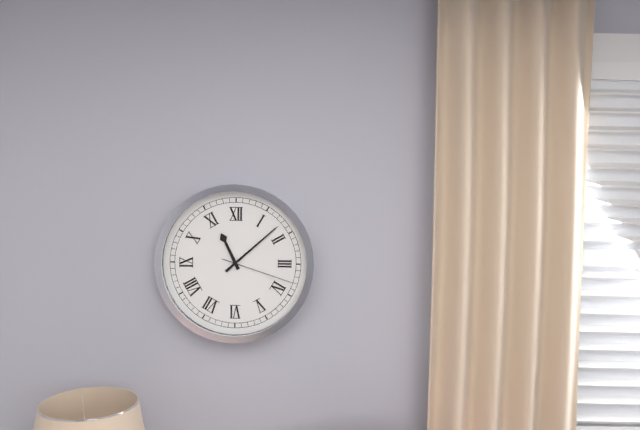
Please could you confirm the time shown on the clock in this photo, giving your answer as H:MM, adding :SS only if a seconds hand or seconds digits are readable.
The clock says 11:08:18
